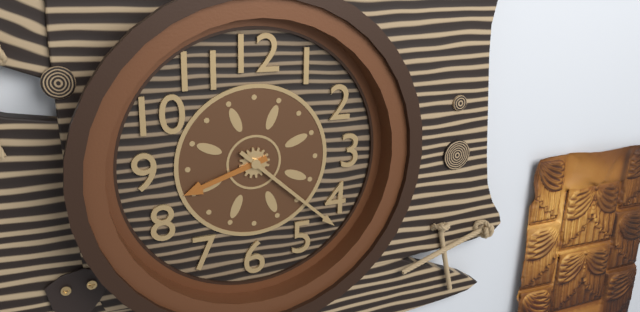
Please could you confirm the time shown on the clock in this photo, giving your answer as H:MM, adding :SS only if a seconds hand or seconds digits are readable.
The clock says 8:22
